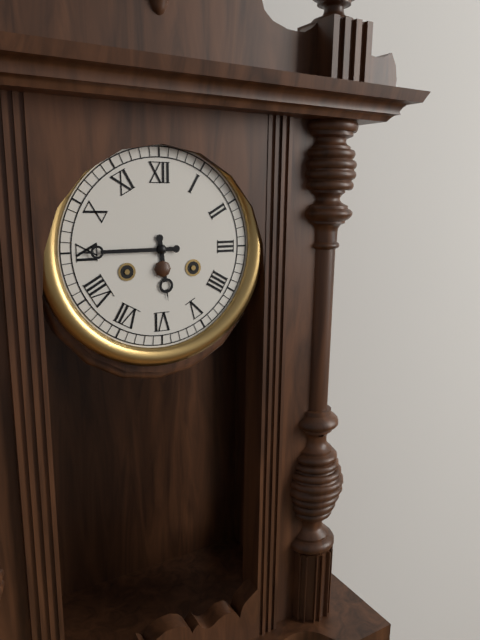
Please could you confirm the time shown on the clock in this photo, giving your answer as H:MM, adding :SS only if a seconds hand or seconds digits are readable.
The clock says 5:45
